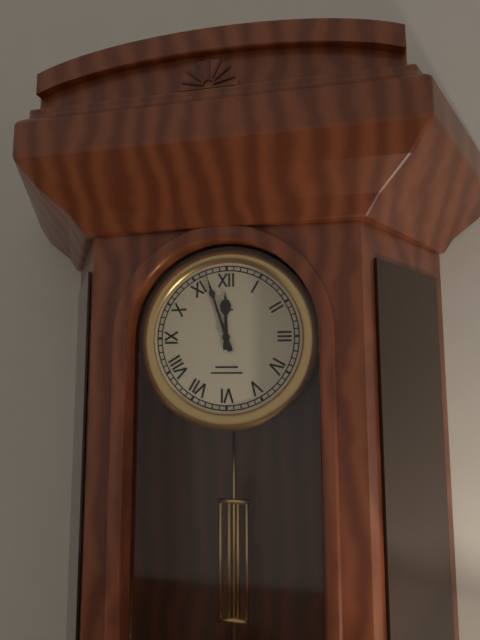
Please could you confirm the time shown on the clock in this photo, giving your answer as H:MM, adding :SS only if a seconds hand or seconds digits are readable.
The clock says 11:57
